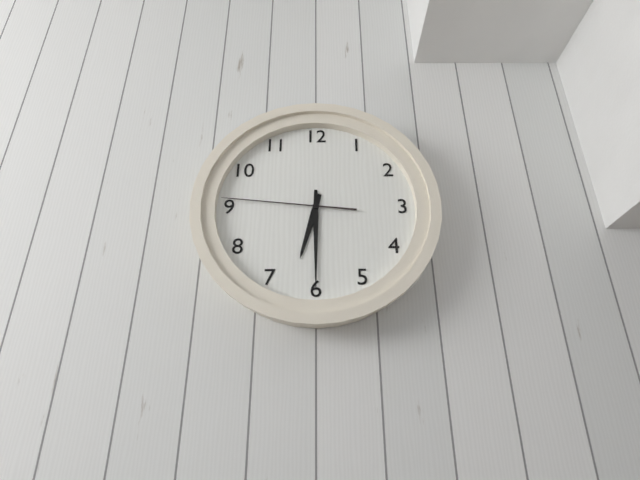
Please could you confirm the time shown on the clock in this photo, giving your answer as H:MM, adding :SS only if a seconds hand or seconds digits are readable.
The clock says 6:30:46
